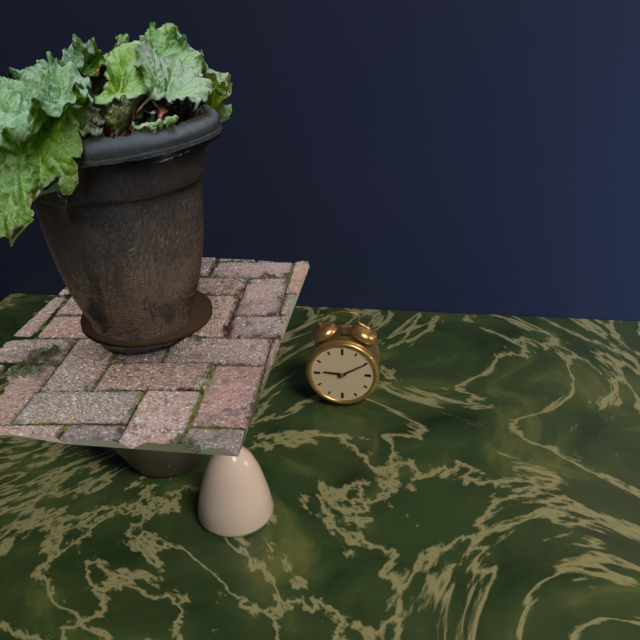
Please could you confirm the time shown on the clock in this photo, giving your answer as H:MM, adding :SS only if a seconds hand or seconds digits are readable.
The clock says 9:10
